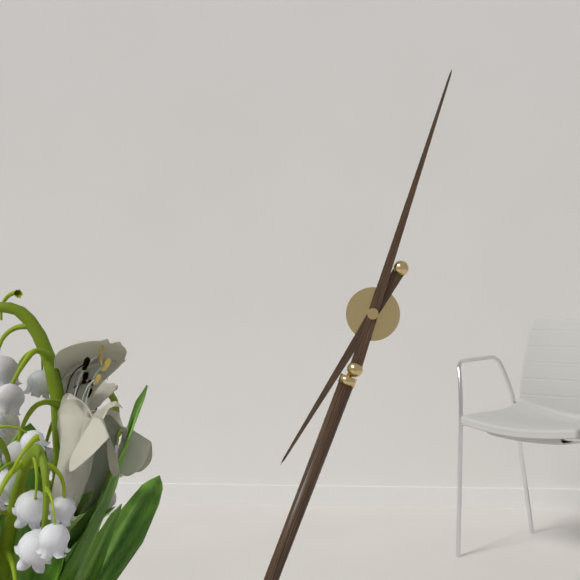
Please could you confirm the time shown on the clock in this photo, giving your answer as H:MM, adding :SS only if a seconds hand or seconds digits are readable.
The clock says 7:03
